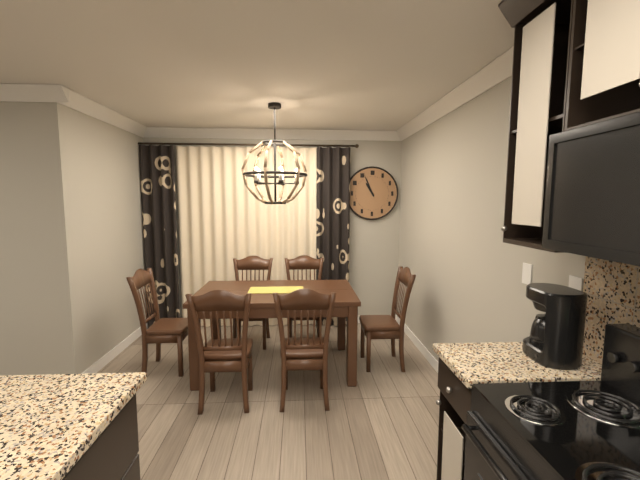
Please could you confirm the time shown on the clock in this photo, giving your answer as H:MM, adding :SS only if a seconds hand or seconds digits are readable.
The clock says 10:56
